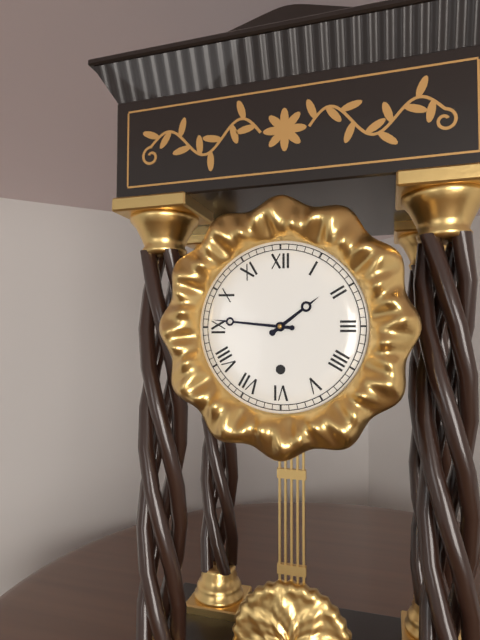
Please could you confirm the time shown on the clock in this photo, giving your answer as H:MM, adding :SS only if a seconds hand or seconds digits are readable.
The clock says 1:46
